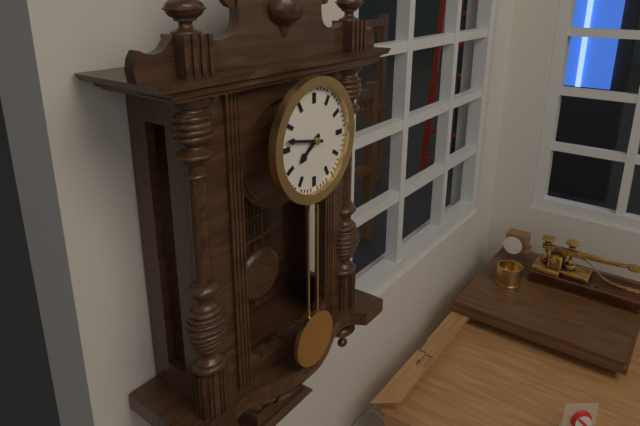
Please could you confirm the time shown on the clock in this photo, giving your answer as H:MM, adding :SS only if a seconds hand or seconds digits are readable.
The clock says 7:47
